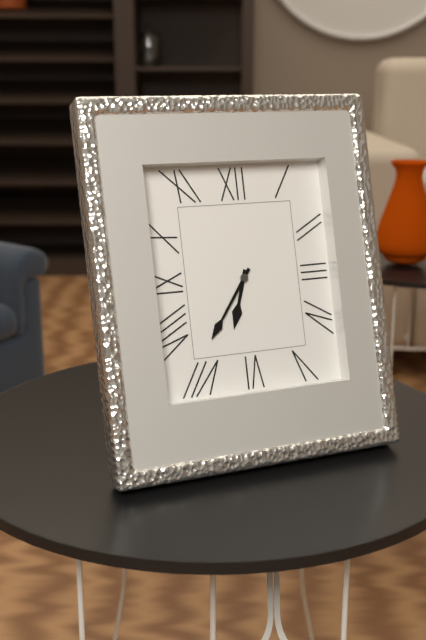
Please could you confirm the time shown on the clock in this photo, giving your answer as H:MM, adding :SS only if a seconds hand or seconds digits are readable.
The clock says 6:36
